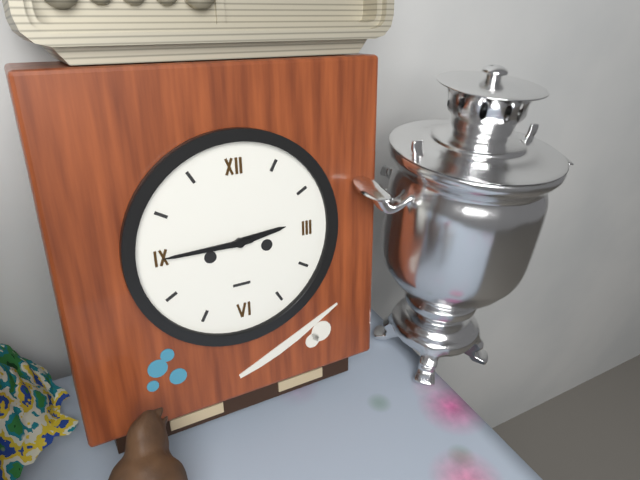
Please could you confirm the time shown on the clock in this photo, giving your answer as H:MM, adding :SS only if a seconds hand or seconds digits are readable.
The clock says 2:45
